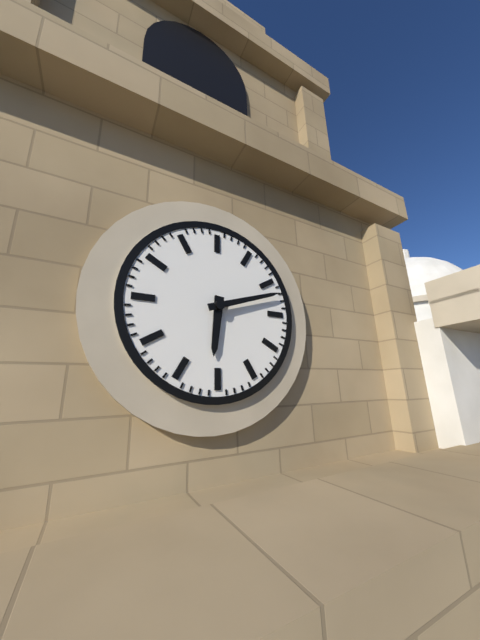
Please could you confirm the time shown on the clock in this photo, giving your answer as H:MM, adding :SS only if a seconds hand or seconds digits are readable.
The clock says 6:12
